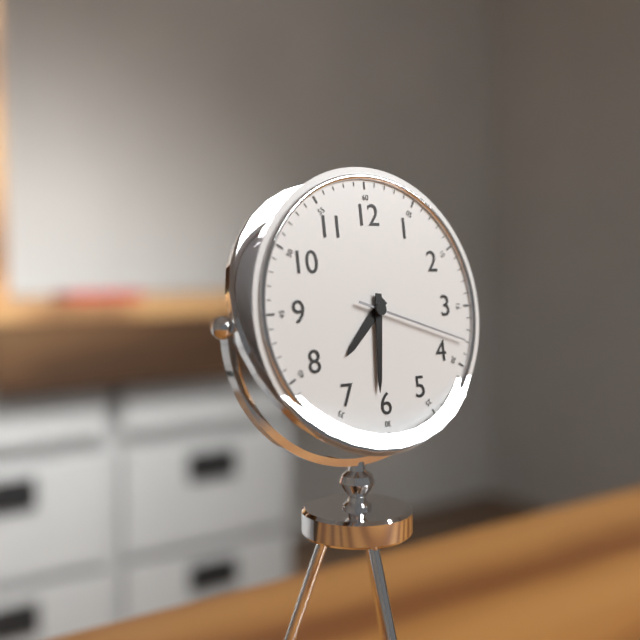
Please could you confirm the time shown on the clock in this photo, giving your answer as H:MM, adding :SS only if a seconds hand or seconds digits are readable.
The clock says 7:31:18
